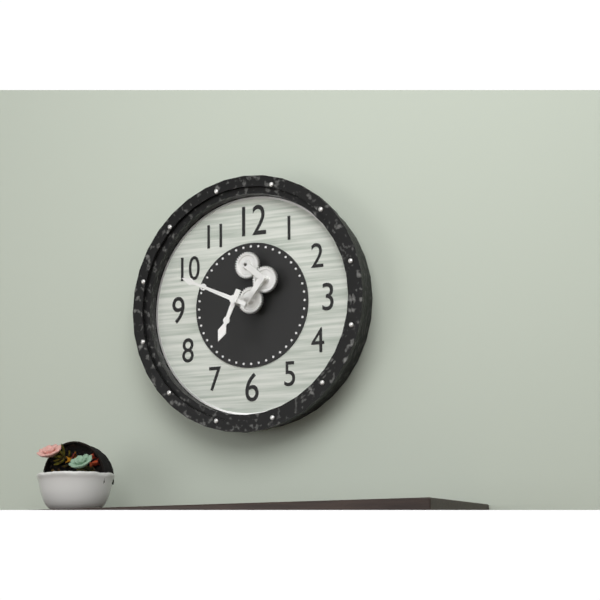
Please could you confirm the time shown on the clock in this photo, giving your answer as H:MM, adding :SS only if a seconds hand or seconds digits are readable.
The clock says 6:49
